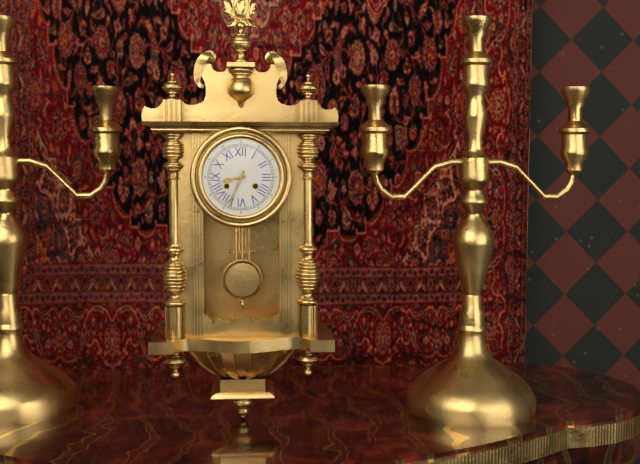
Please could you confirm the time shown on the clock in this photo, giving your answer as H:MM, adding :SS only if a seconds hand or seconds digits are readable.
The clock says 8:34
